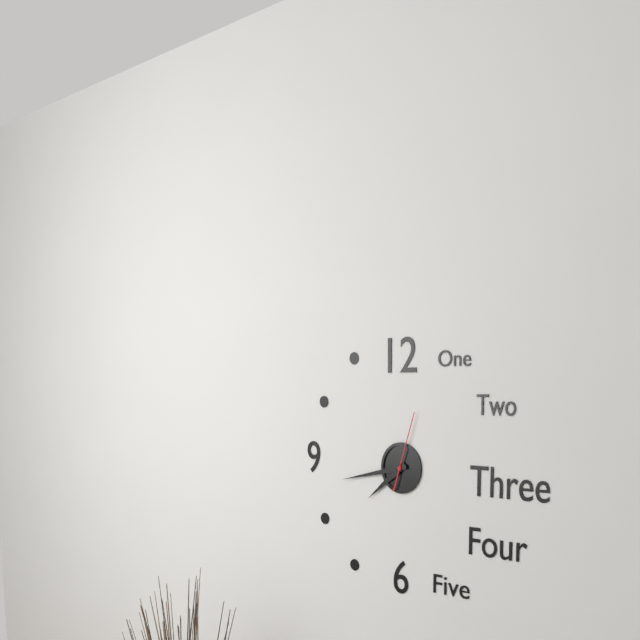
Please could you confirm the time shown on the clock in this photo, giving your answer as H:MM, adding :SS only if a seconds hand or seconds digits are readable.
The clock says 7:43:03
